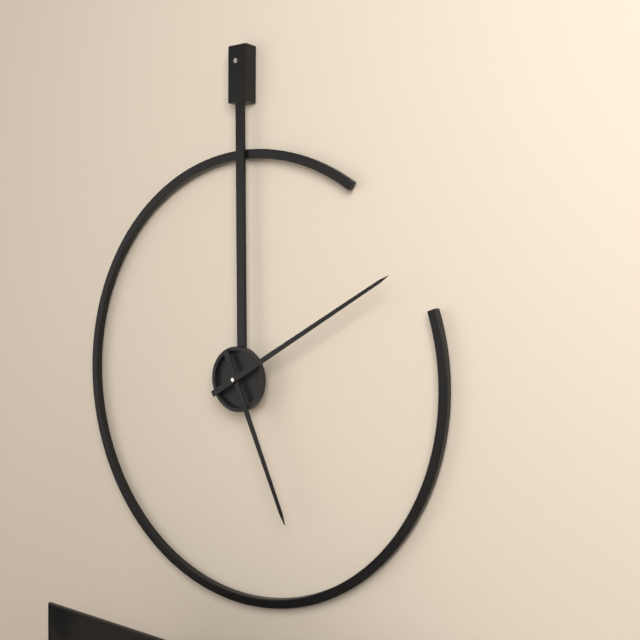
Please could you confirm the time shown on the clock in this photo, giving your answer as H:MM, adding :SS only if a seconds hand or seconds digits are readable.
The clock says 5:10
